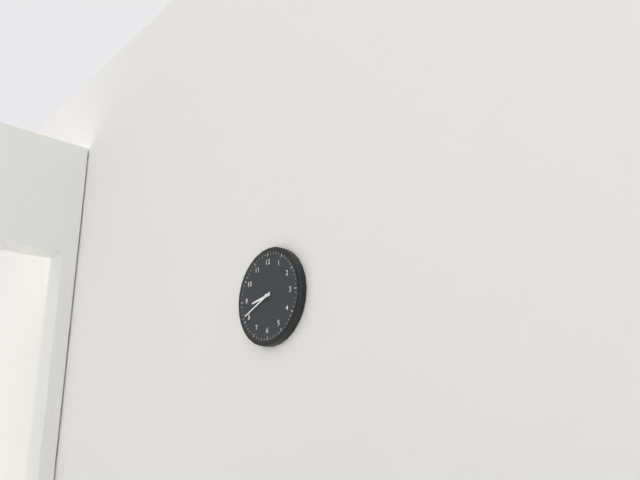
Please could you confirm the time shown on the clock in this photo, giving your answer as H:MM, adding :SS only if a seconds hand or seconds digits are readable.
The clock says 8:41
